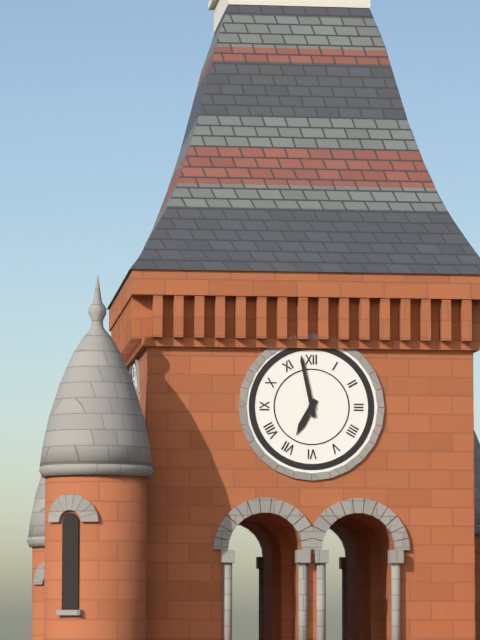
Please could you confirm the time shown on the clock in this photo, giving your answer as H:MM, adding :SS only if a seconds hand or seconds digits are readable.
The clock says 6:58
